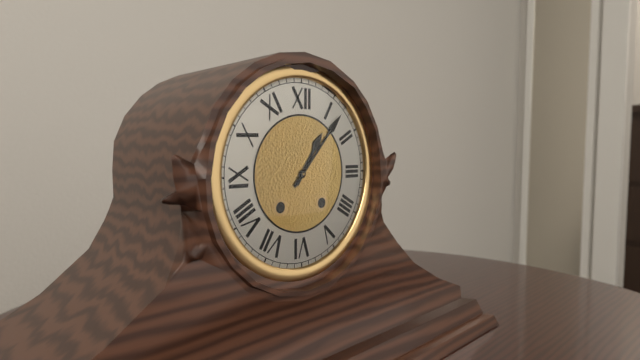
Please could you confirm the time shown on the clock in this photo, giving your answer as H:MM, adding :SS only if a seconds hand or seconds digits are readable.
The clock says 1:07
